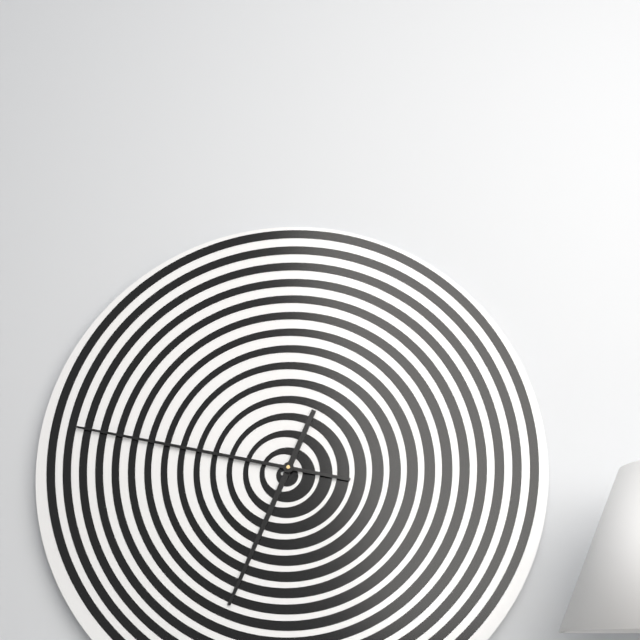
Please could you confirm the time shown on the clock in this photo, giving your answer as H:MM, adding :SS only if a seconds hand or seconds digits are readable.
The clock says 6:47
